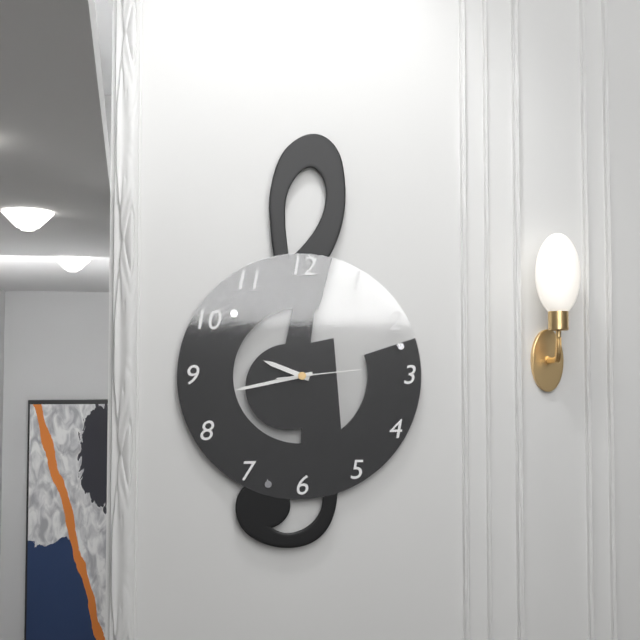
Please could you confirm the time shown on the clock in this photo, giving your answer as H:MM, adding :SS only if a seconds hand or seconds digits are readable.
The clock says 9:43:14
